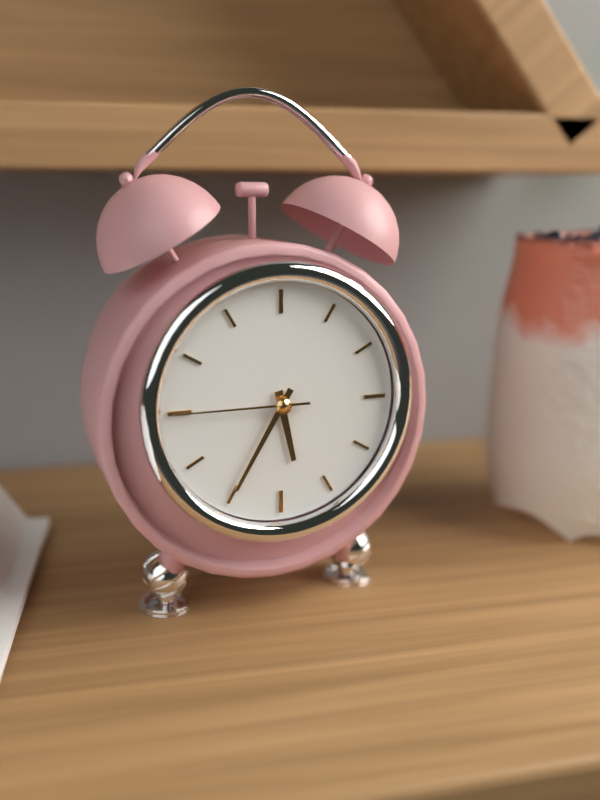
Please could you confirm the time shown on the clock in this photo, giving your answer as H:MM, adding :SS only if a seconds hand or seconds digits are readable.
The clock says 5:35:45
